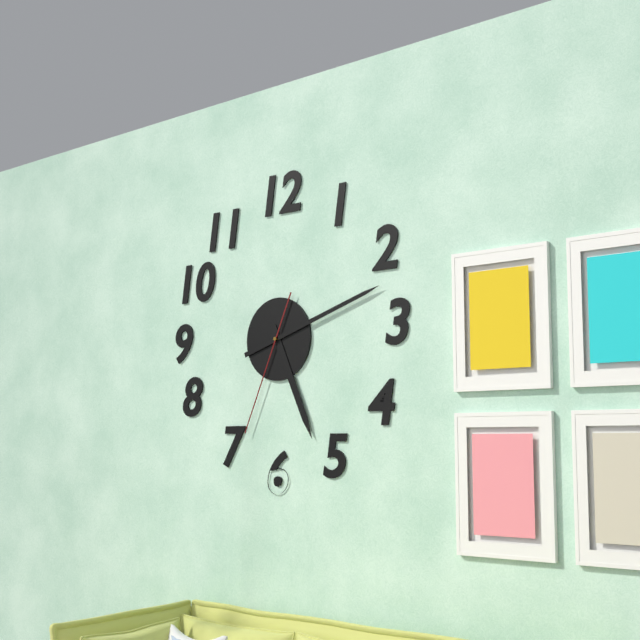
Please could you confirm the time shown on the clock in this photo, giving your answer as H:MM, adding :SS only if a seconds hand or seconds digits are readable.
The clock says 5:12:34
